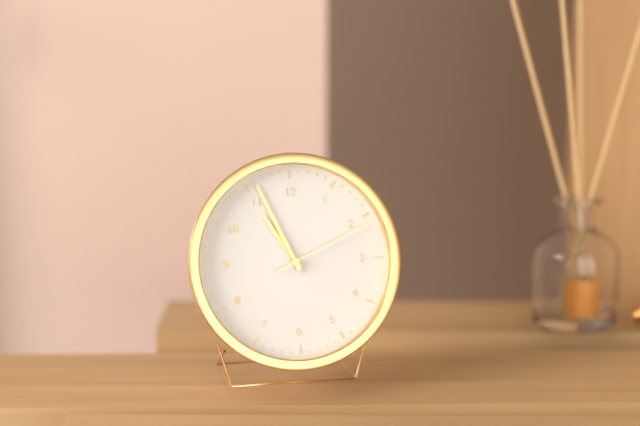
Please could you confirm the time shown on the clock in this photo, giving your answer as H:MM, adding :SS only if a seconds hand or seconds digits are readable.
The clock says 10:56:11
